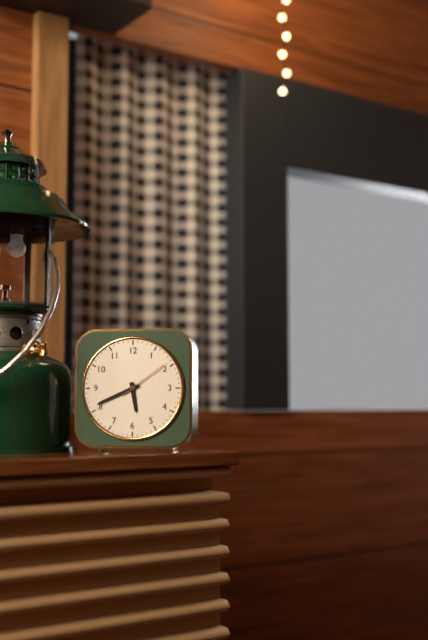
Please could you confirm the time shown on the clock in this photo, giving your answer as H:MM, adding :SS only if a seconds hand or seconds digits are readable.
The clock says 5:41
